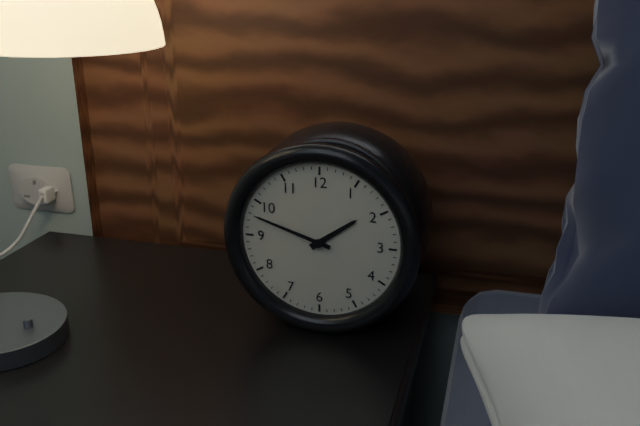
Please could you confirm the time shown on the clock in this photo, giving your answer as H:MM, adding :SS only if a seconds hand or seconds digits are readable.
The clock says 1:48
